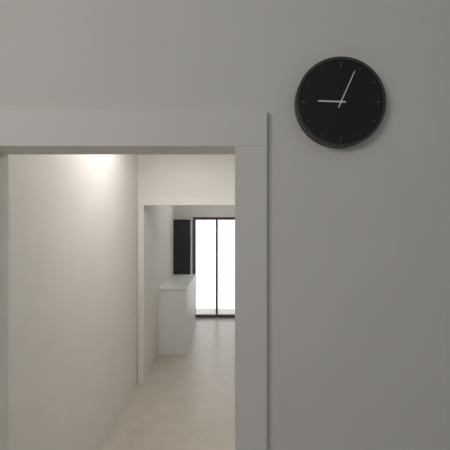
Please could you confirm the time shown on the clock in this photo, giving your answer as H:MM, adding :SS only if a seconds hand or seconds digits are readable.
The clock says 9:04
